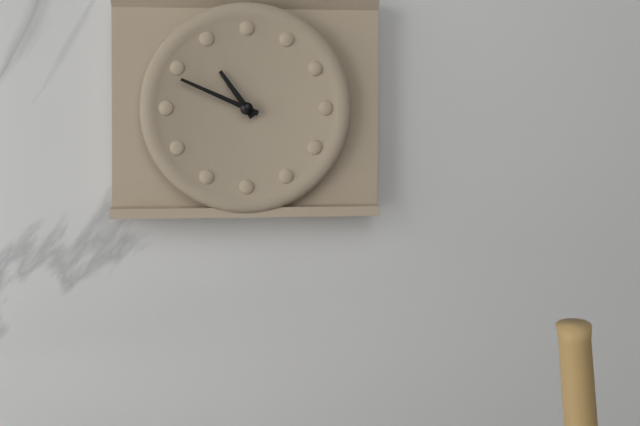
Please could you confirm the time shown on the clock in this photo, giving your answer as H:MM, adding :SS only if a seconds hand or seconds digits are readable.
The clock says 10:49
